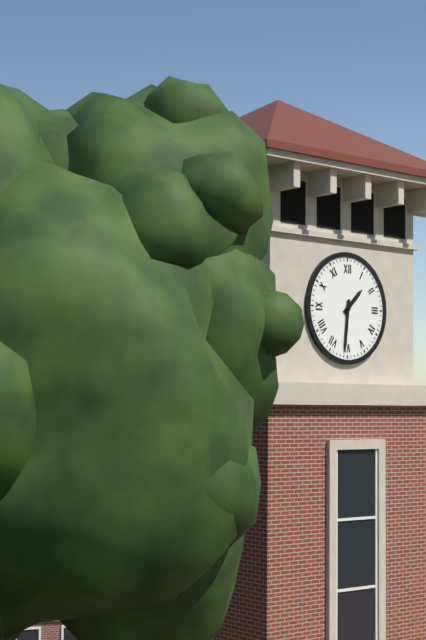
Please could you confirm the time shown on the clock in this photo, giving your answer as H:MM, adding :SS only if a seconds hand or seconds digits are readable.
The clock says 1:31
